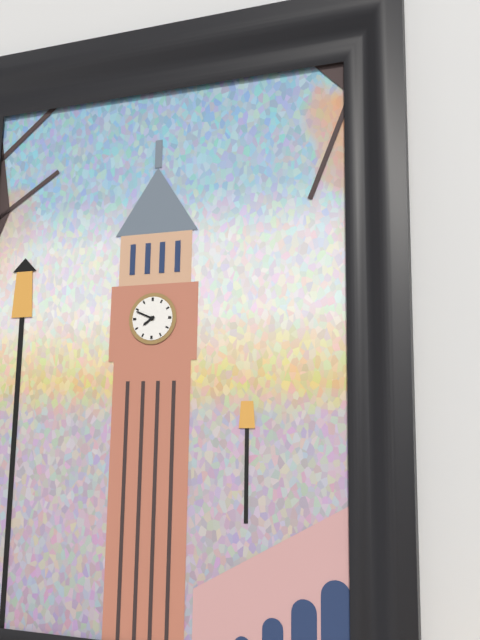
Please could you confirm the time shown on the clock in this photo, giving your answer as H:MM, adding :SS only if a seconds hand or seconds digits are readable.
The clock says 7:49
